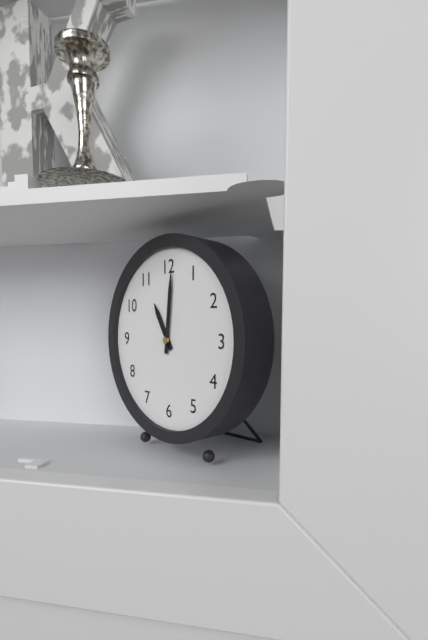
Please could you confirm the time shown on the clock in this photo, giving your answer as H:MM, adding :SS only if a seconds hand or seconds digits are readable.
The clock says 11:01
